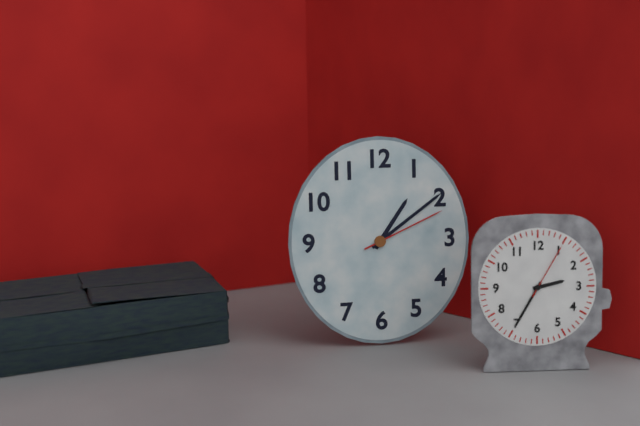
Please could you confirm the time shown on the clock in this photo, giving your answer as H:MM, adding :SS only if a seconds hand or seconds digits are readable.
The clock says 1:09:11
